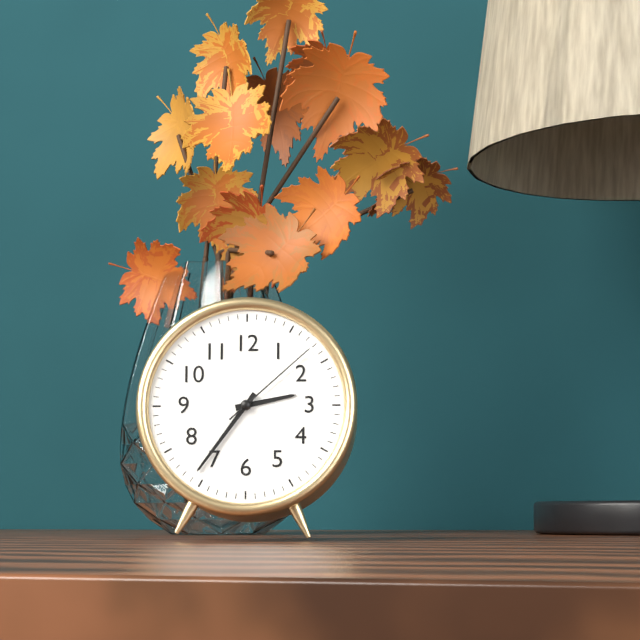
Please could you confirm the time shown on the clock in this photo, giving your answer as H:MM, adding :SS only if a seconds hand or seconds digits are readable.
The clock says 2:36:08
